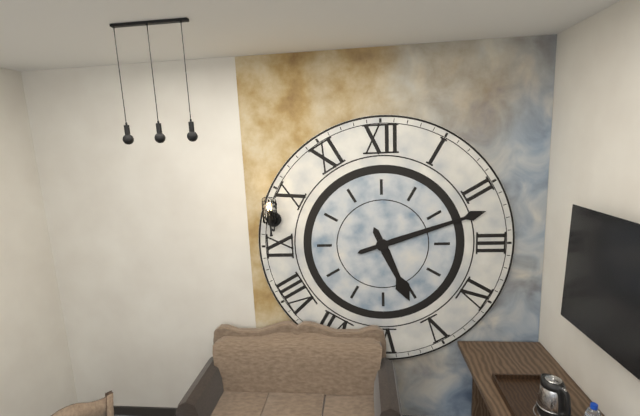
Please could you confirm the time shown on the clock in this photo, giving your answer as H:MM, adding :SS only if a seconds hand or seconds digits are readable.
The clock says 5:12
